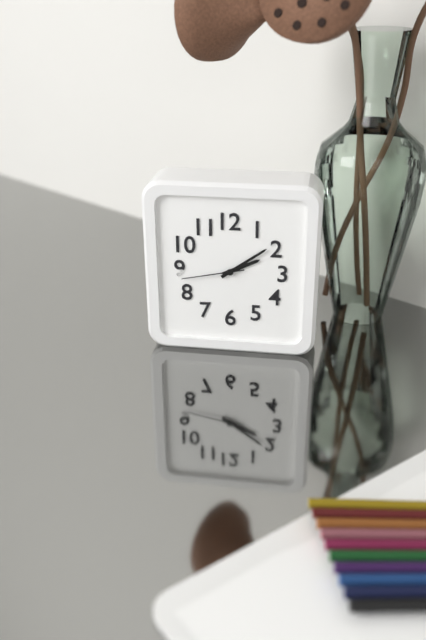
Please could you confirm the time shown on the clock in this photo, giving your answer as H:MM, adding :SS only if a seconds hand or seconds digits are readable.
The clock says 2:09:43
